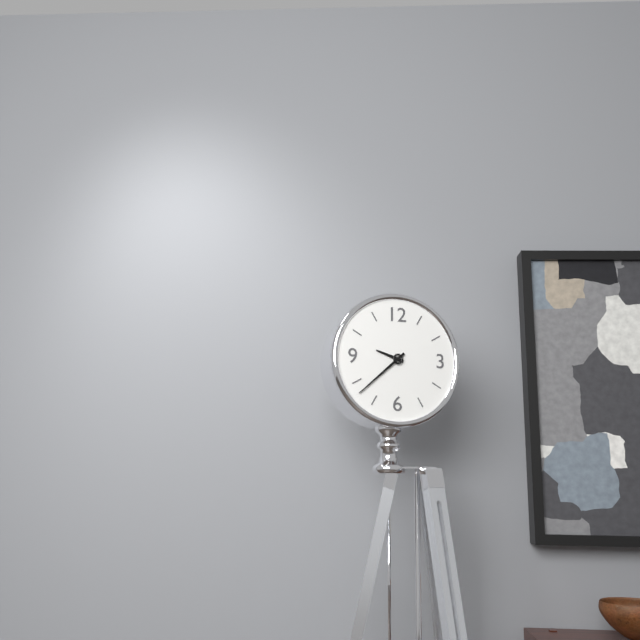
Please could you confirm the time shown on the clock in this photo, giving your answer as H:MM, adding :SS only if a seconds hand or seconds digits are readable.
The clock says 9:38
